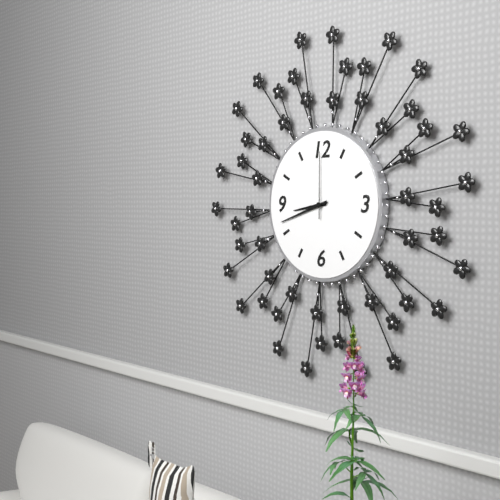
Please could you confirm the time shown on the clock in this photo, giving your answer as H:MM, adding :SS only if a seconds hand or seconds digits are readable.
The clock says 8:42:00
